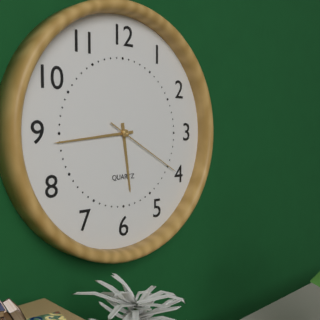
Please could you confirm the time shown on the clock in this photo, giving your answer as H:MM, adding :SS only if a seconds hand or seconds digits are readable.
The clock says 5:44:20
